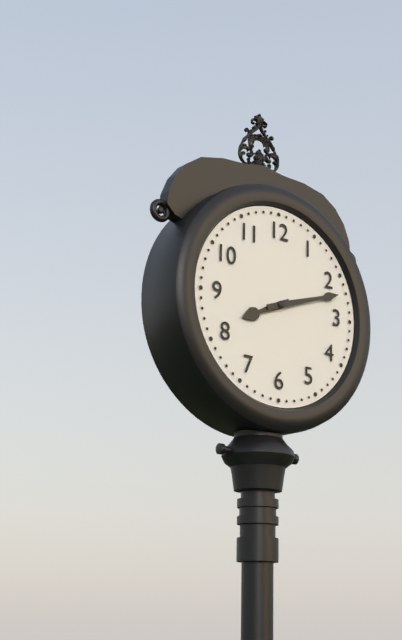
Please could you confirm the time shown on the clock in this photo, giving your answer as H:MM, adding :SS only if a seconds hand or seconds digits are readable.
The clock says 8:12
